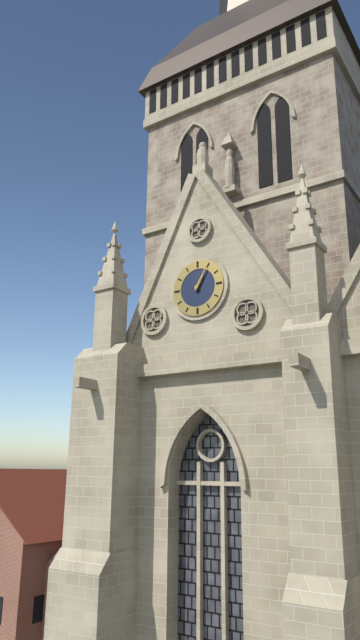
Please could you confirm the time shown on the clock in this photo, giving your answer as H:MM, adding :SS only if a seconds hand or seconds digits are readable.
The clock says 1:05
